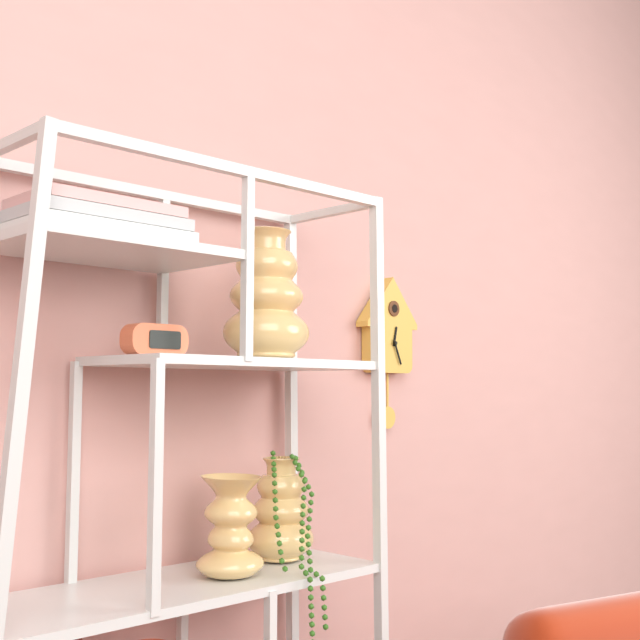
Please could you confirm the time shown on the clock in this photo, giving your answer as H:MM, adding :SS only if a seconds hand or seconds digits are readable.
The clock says 12:26
